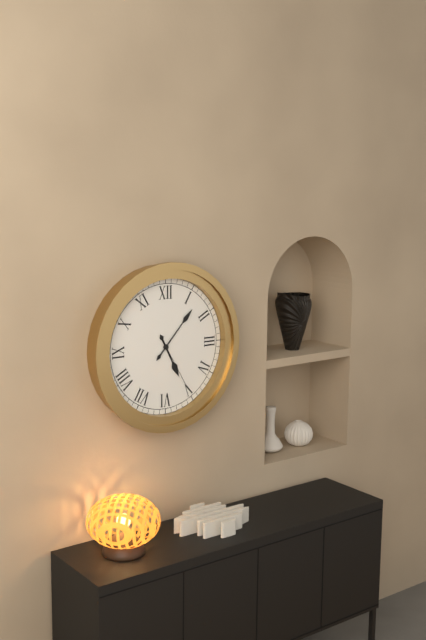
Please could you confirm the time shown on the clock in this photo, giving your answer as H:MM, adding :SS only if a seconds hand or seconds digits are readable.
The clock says 5:07:25
